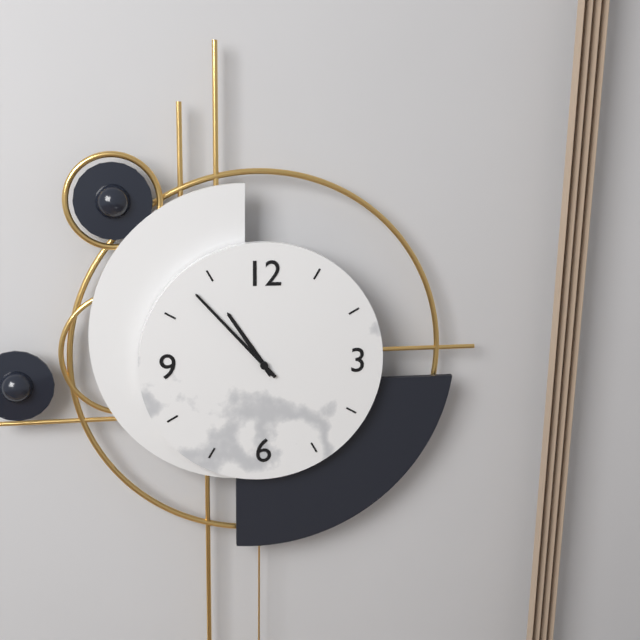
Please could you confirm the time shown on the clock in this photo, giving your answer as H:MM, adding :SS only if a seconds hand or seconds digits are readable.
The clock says 10:53
